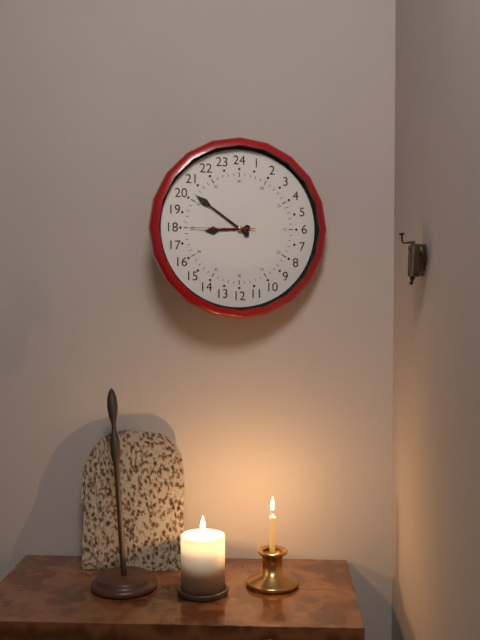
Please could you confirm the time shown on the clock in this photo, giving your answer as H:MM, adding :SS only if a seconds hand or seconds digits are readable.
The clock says 8:51:45
